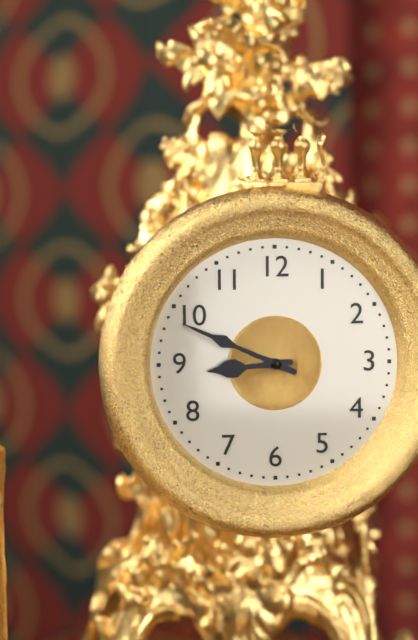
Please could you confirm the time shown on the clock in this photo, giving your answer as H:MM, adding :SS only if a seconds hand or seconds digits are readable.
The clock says 8:49
